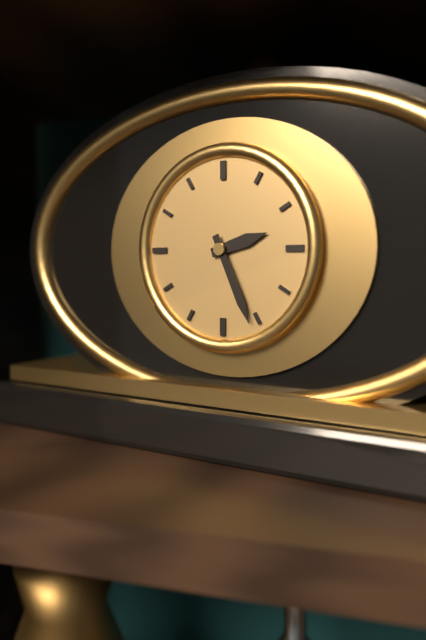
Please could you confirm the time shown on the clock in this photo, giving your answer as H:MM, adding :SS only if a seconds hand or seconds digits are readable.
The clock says 2:26
